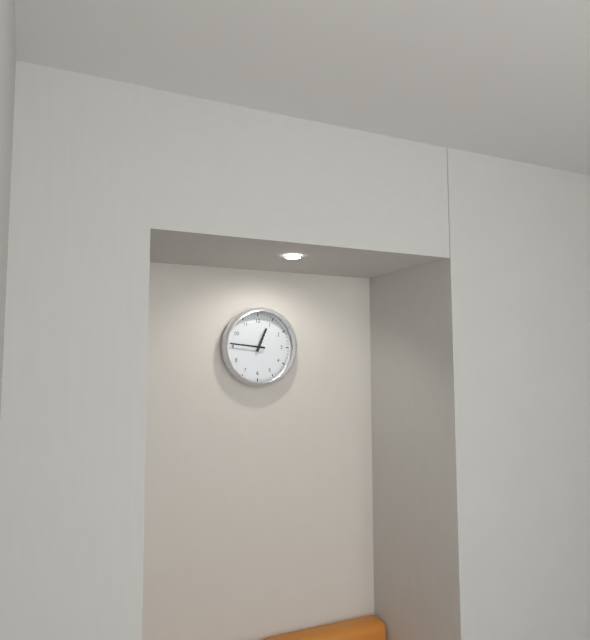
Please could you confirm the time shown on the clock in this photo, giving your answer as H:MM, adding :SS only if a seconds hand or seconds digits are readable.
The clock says 12:46
